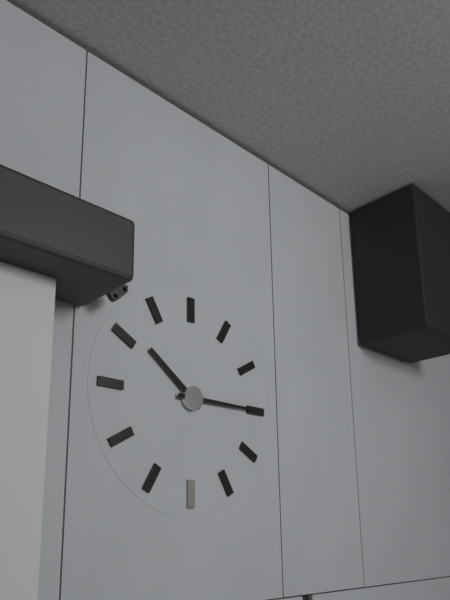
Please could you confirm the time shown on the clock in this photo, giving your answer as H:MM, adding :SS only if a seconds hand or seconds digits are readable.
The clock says 10:15
